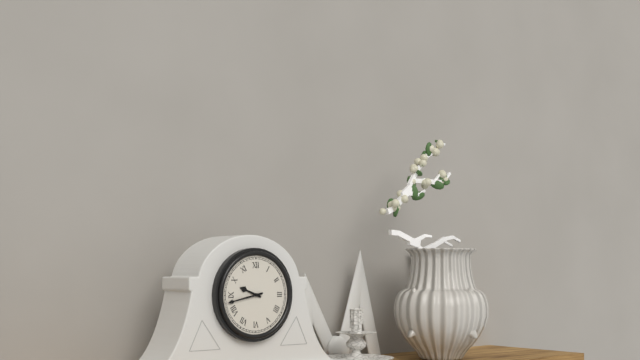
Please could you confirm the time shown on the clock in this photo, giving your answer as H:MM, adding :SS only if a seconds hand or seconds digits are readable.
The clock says 9:43
